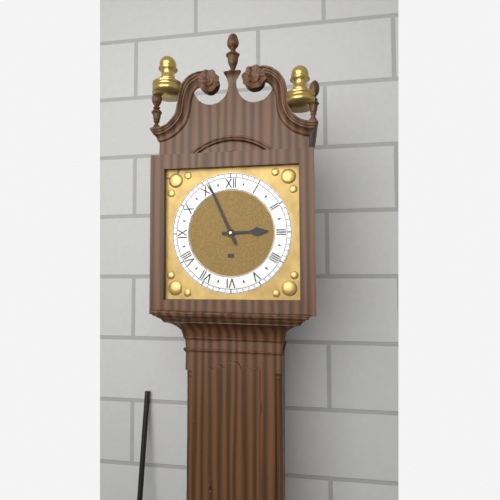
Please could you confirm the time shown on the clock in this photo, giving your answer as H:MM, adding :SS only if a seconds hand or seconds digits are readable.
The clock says 2:56
